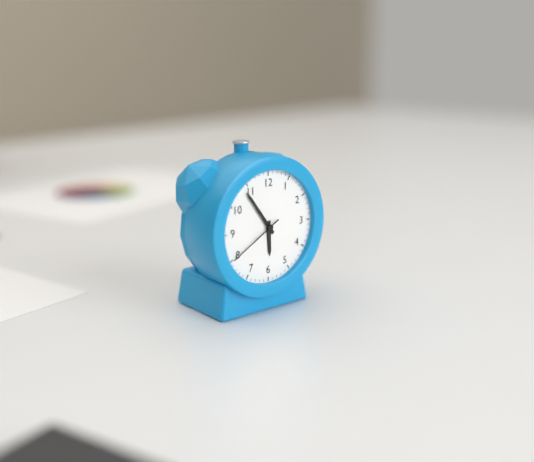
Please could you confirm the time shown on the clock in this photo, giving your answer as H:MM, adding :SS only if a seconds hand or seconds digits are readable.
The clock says 5:54:40
